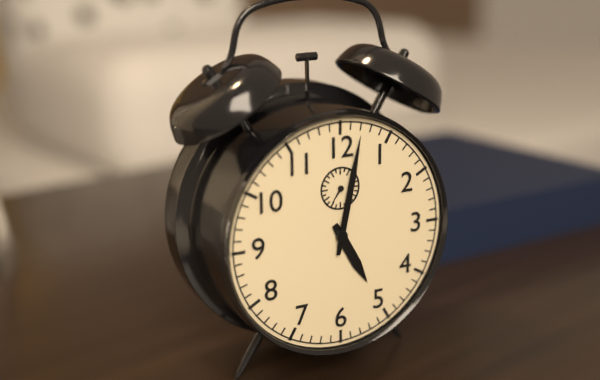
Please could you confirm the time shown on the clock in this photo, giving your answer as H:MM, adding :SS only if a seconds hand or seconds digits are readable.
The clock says 5:02
